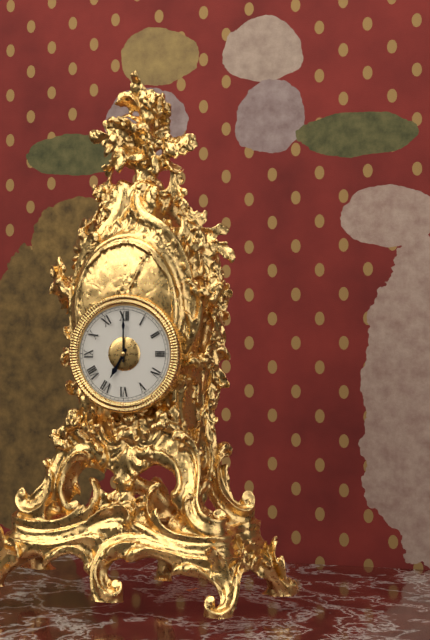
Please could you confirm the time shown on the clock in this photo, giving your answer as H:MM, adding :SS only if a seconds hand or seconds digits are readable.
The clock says 7:00
